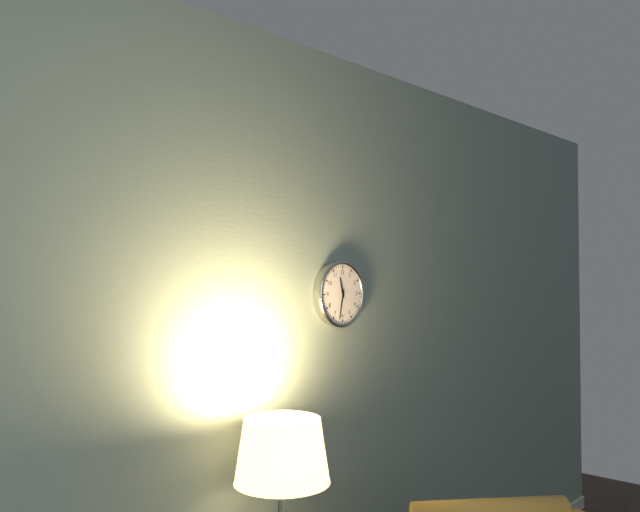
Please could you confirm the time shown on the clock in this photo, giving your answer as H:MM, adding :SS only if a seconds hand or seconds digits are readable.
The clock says 11:32
